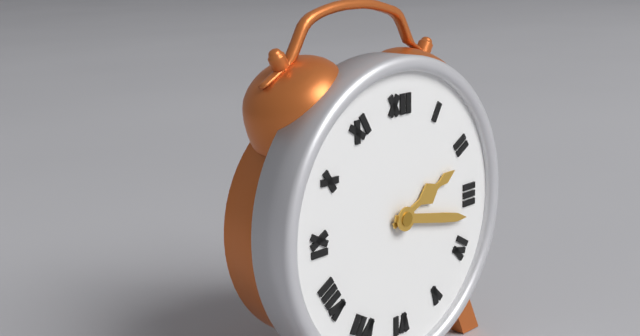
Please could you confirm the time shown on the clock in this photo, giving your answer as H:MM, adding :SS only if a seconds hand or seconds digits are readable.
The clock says 2:17
